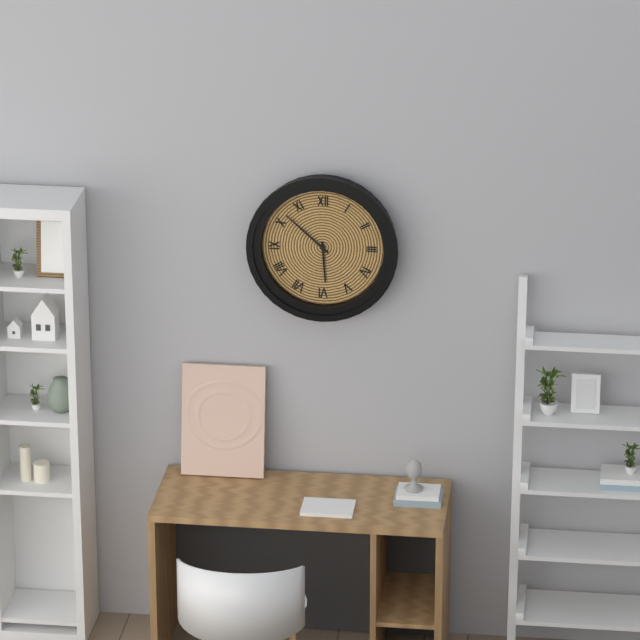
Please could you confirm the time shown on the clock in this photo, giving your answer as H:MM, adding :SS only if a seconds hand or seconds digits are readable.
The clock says 5:52
